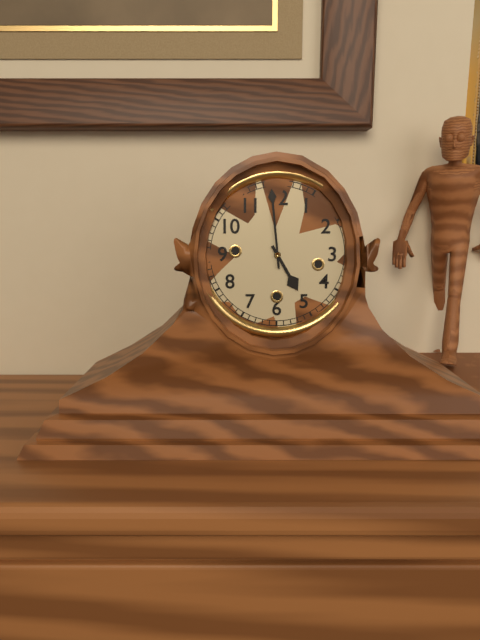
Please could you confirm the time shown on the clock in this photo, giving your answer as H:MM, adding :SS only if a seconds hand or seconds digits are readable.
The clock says 4:59
